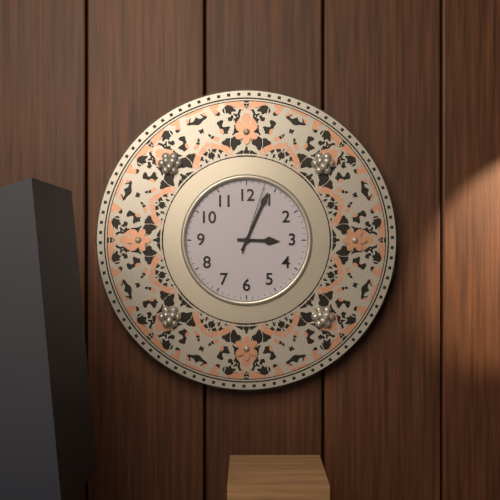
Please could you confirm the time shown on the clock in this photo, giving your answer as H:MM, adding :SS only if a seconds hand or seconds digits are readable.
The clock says 3:04:03
